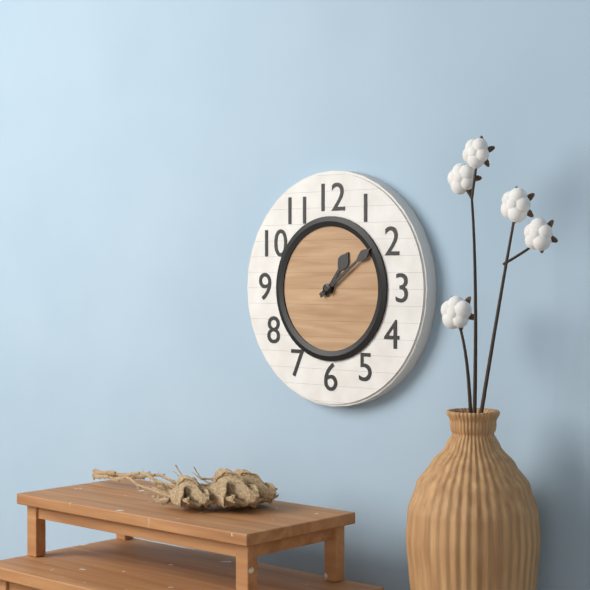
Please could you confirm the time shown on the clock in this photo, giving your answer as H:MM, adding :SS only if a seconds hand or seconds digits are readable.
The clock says 1:09
